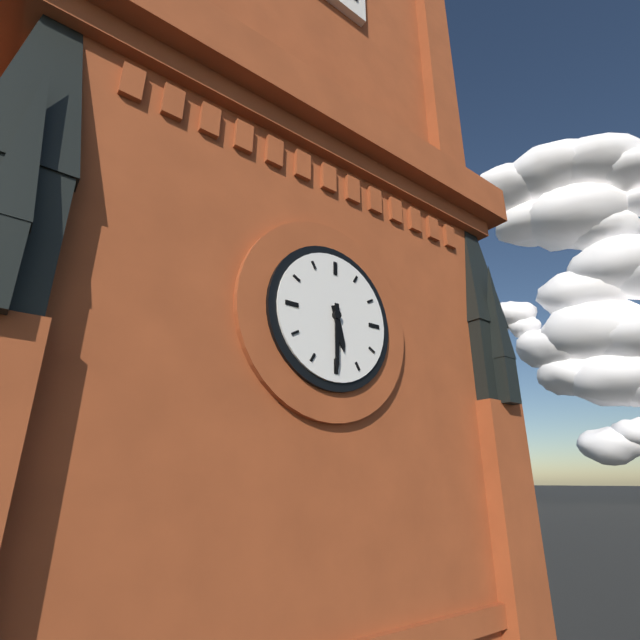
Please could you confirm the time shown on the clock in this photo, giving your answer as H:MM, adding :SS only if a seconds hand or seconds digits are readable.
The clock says 5:30
